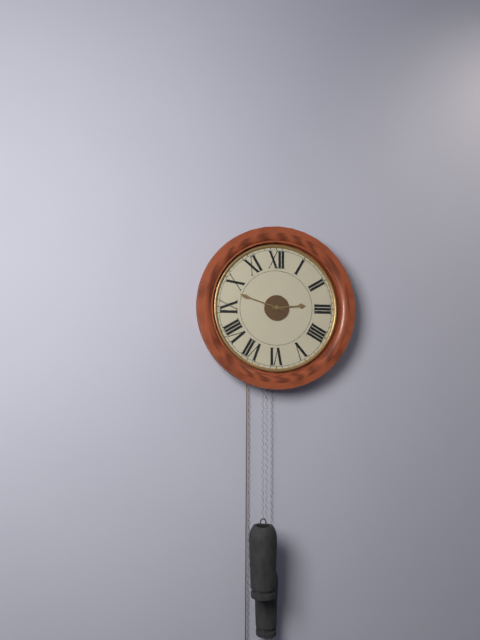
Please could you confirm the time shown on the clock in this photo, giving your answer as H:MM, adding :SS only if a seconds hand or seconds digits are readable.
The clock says 2:48
